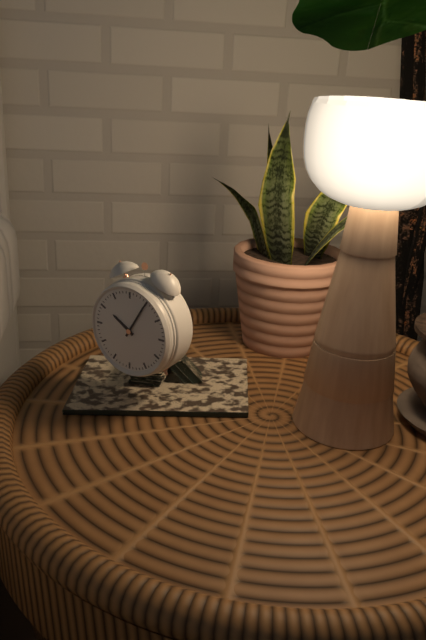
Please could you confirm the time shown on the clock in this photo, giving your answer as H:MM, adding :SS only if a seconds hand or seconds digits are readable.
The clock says 10:05
